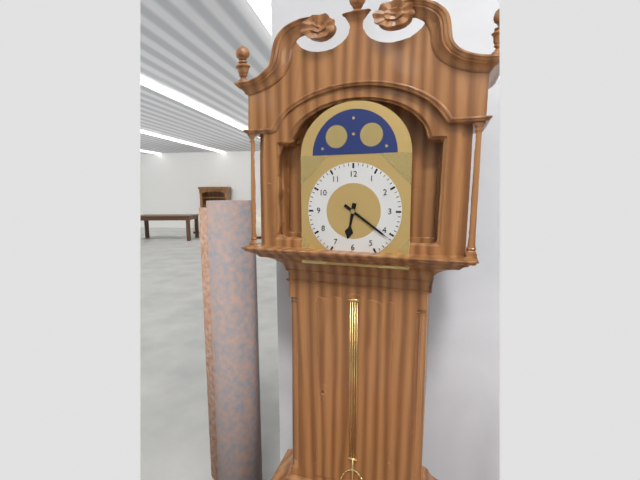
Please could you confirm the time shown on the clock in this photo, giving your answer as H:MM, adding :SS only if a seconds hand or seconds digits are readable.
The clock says 6:21
